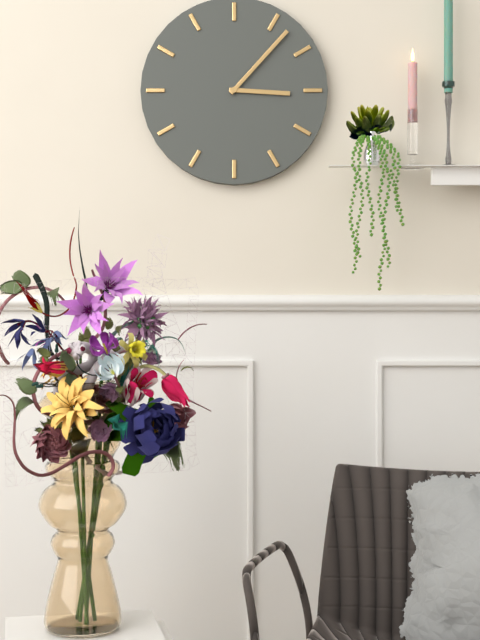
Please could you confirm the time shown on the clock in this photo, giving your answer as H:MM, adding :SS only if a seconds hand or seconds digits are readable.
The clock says 3:07
